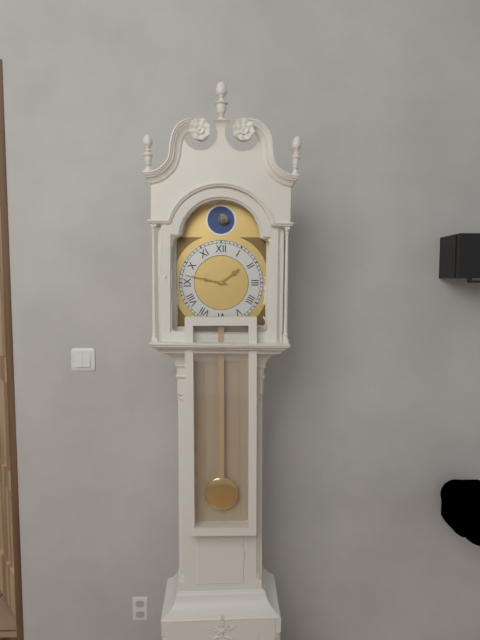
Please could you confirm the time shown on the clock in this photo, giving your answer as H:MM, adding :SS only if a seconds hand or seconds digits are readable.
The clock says 1:47
